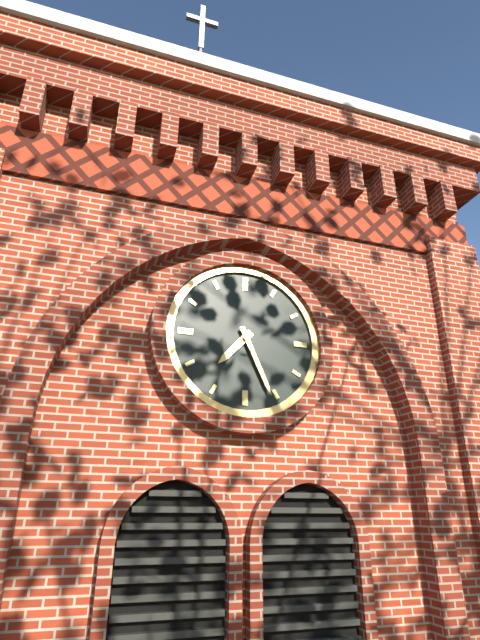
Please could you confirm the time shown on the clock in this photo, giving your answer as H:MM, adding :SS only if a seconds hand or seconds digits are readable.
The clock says 7:26
